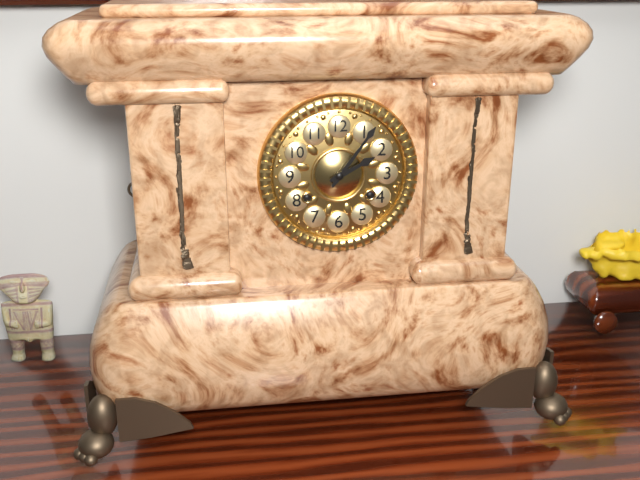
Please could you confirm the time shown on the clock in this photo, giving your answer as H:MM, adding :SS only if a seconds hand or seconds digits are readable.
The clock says 2:06
